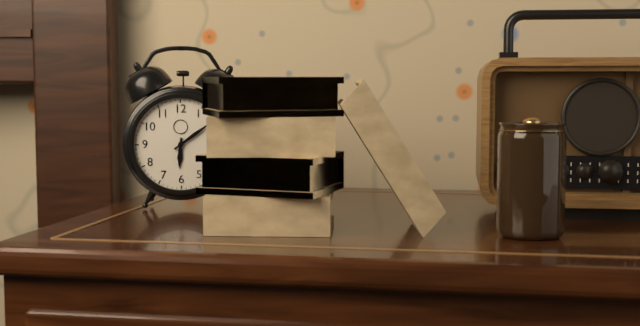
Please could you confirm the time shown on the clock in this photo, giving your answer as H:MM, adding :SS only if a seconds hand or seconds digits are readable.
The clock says 6:09
